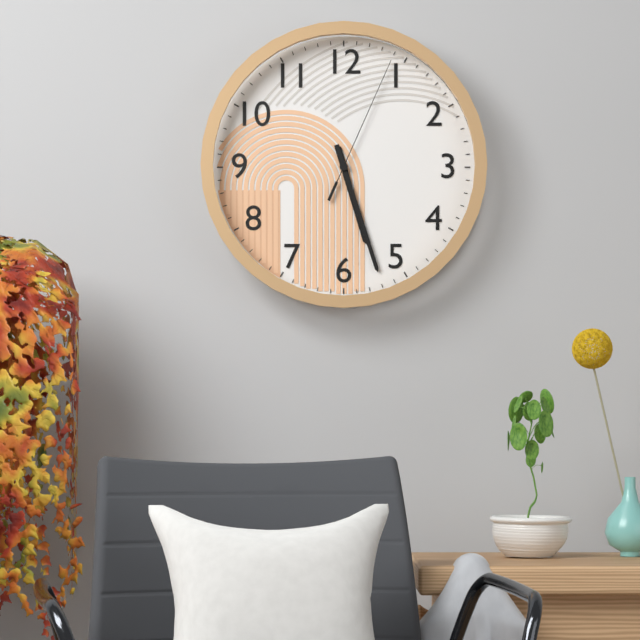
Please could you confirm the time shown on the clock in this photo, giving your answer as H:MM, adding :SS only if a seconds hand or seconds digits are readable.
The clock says 5:27:04
